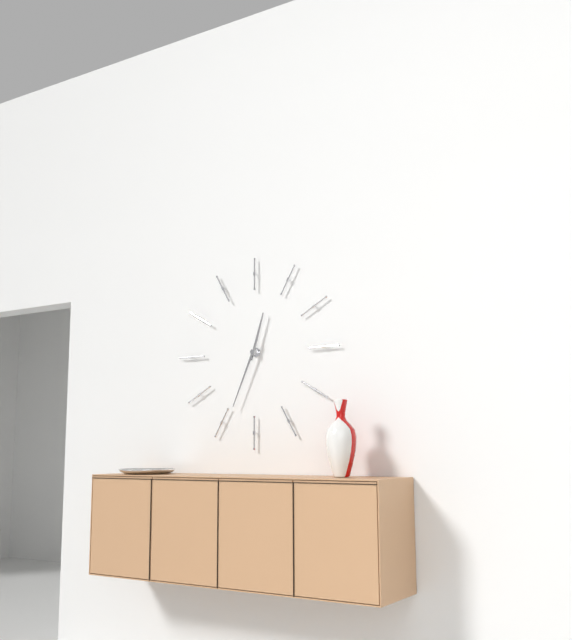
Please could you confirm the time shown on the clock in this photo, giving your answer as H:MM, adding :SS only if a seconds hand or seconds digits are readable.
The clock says 12:34
